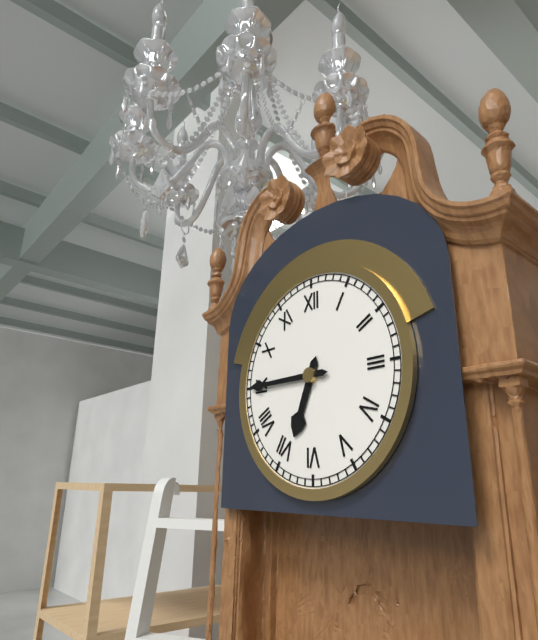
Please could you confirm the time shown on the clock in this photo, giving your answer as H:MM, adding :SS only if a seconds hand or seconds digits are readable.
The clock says 6:45
